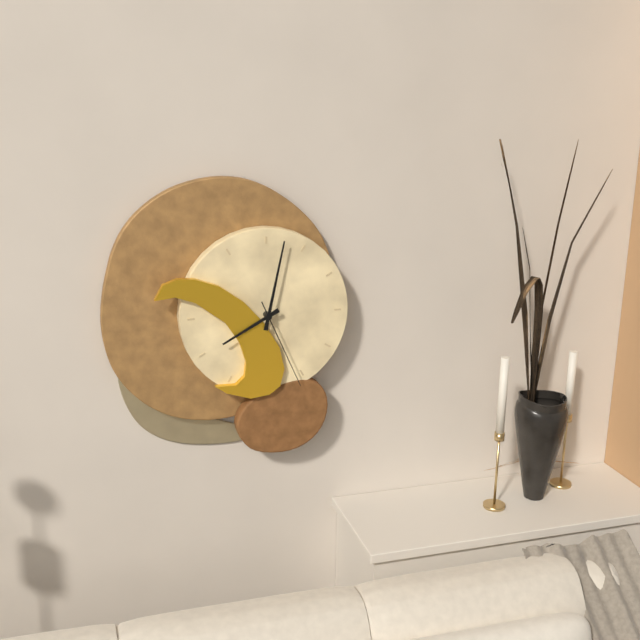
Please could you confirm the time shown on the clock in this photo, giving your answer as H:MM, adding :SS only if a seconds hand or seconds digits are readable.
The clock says 8:02:26
